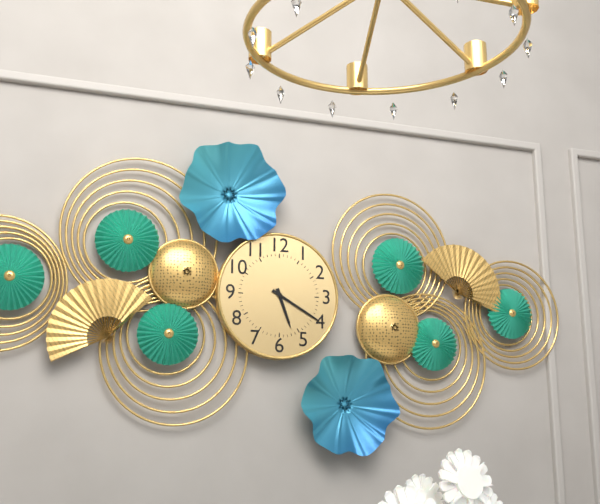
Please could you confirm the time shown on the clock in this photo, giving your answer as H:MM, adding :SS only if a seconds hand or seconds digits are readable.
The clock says 5:20
